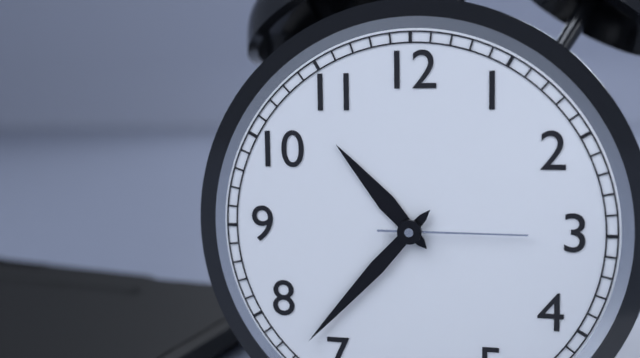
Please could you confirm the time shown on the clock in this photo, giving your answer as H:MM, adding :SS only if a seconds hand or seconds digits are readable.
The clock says 10:37:15
